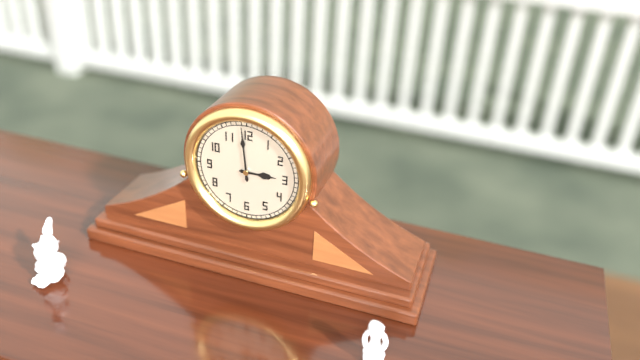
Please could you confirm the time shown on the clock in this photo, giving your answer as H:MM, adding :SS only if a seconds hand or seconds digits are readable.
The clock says 2:59
